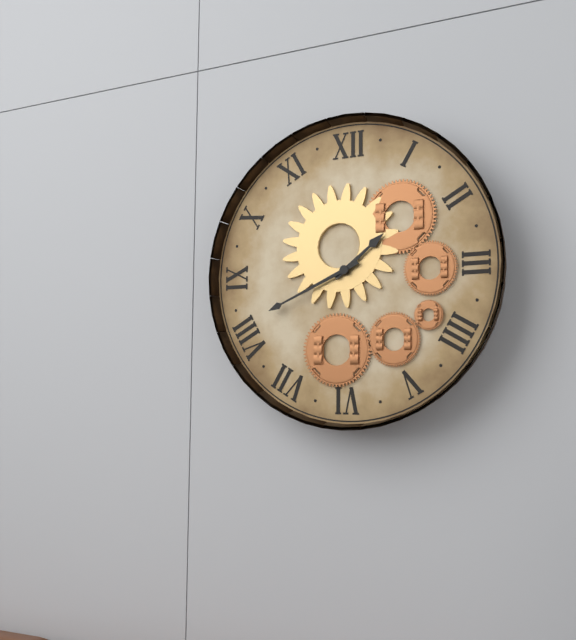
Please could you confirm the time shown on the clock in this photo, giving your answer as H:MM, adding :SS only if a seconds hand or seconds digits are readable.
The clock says 1:41
